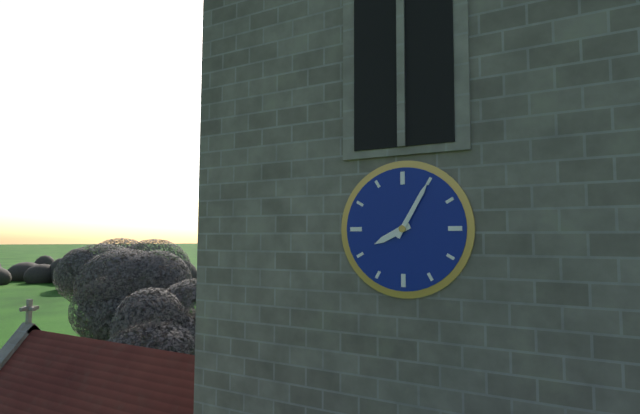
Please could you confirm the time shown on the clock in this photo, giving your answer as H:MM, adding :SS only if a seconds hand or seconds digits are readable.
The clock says 8:05
